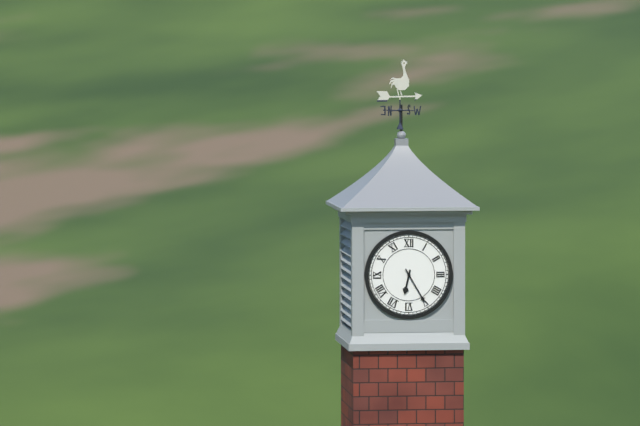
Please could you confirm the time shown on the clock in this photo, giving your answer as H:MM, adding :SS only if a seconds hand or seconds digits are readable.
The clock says 6:25
